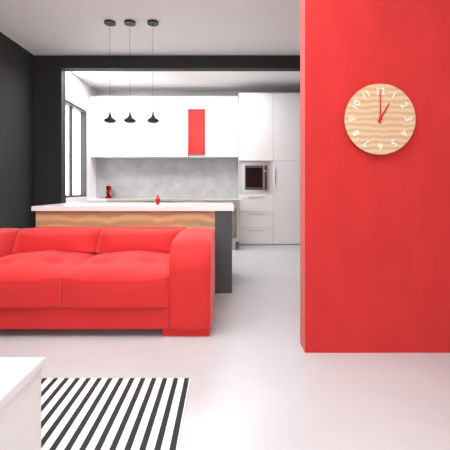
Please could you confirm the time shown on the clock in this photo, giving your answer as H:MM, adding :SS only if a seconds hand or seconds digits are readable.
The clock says 1:00
